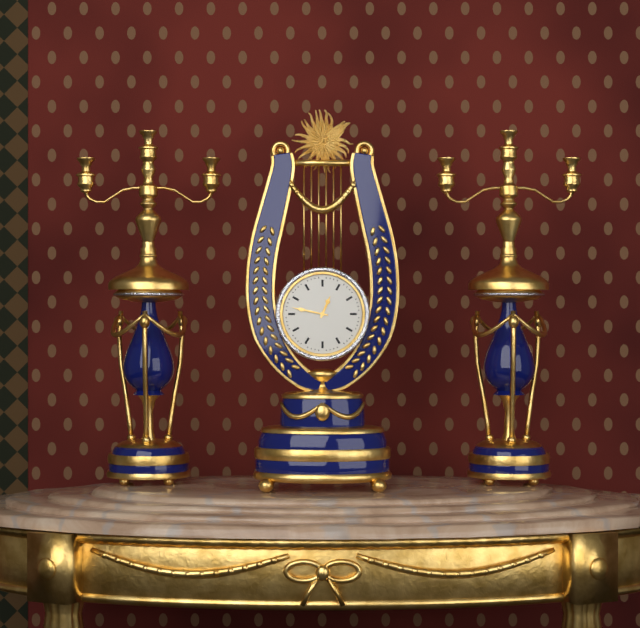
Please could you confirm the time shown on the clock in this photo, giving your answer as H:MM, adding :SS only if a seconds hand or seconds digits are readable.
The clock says 12:47
